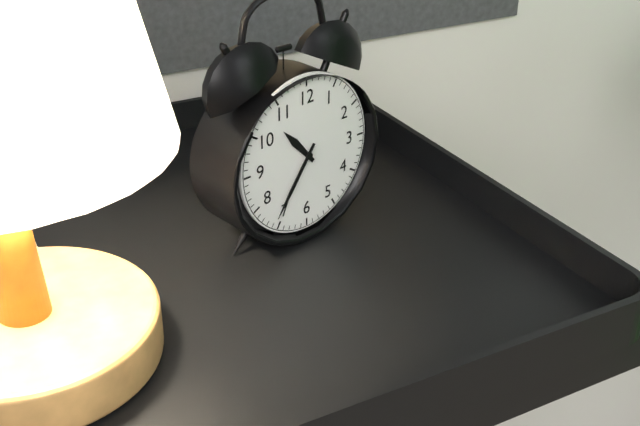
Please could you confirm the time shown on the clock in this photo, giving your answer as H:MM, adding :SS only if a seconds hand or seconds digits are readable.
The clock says 10:36
